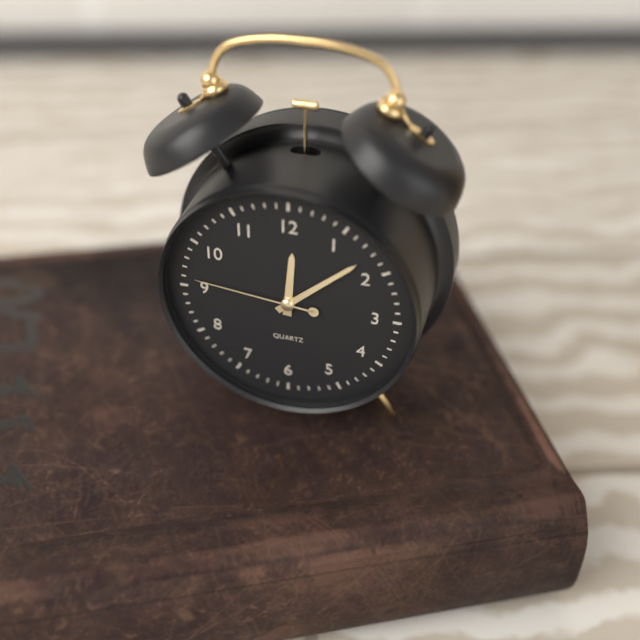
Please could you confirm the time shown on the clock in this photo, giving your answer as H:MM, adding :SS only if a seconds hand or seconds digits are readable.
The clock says 12:08:46
